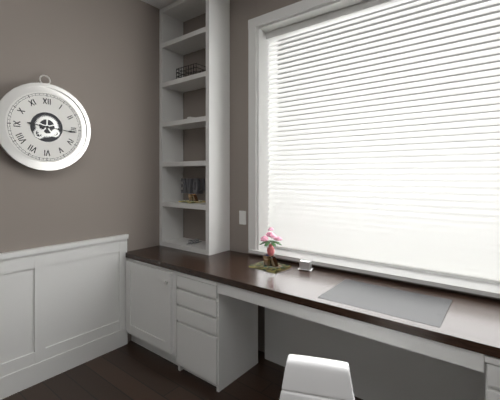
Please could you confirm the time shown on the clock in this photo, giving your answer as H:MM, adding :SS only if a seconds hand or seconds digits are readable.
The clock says 9:16
